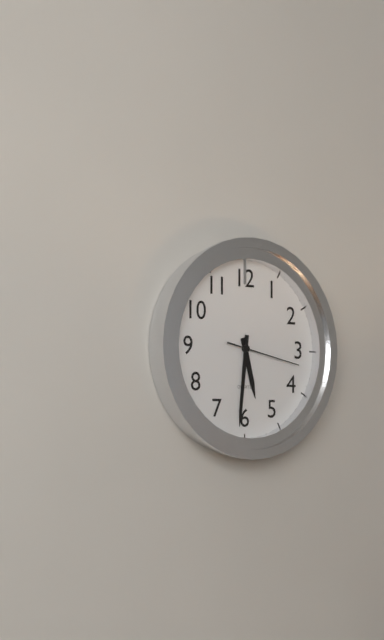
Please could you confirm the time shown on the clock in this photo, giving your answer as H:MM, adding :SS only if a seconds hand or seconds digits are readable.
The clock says 5:31:17
